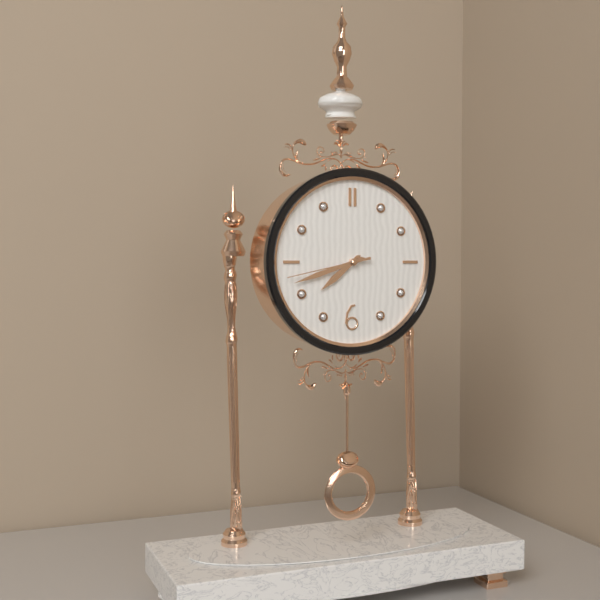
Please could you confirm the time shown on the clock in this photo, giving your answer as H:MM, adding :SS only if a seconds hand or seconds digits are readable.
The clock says 7:42:43
